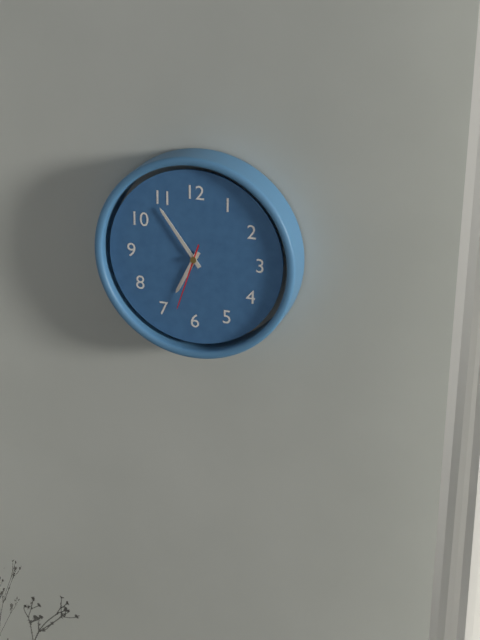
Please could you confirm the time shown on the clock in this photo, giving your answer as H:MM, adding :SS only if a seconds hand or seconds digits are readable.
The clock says 6:54:33
